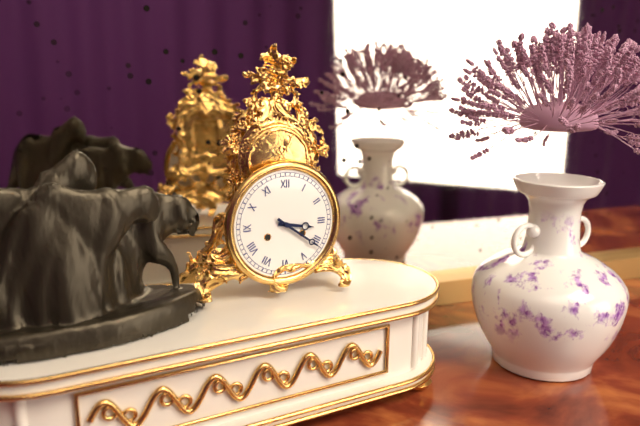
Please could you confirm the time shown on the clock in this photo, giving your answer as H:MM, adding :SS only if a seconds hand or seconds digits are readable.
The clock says 3:21
